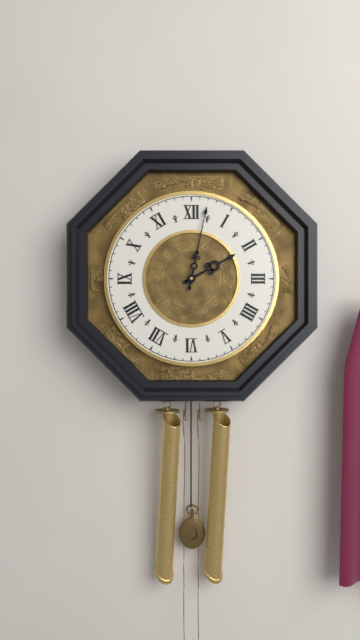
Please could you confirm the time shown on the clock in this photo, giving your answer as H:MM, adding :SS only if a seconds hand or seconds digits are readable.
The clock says 2:02
